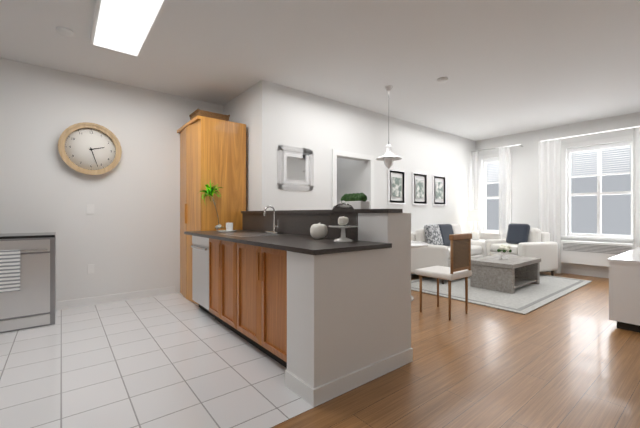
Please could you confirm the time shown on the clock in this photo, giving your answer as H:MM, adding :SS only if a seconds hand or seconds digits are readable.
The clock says 2:27
